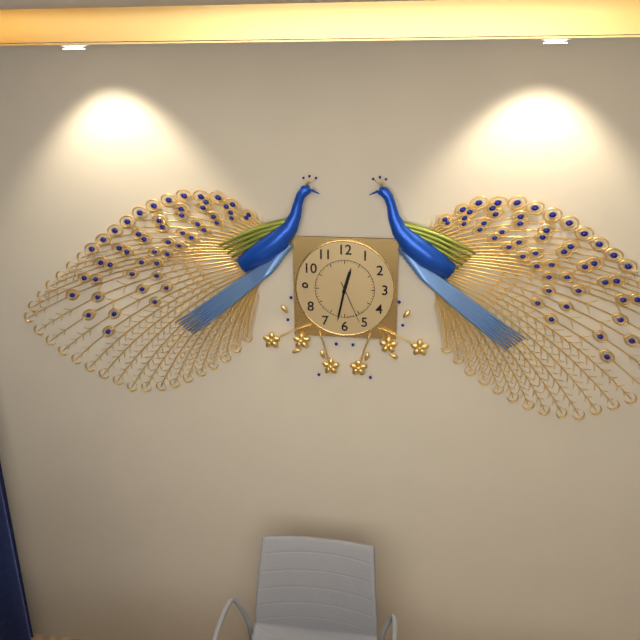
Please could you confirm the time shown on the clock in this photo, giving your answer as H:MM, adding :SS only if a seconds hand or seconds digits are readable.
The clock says 12:32
